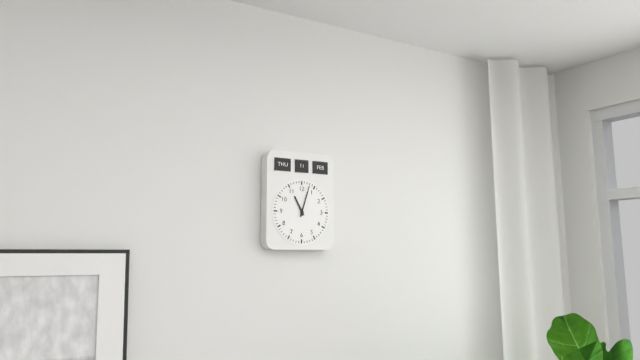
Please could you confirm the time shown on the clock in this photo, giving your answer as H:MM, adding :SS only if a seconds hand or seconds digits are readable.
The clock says 11:03
